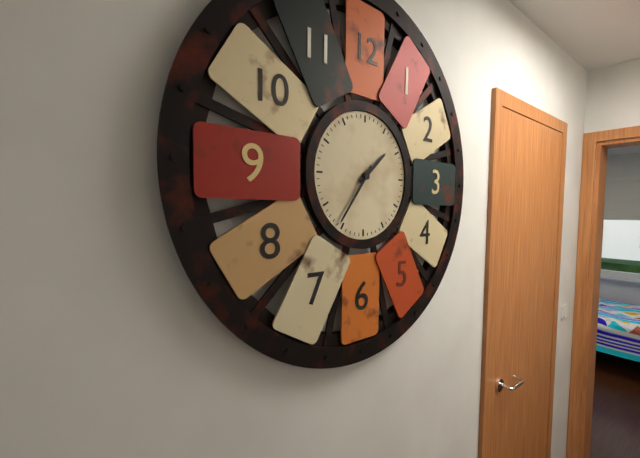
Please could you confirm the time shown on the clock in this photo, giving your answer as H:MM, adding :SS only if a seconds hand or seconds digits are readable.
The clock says 1:36
